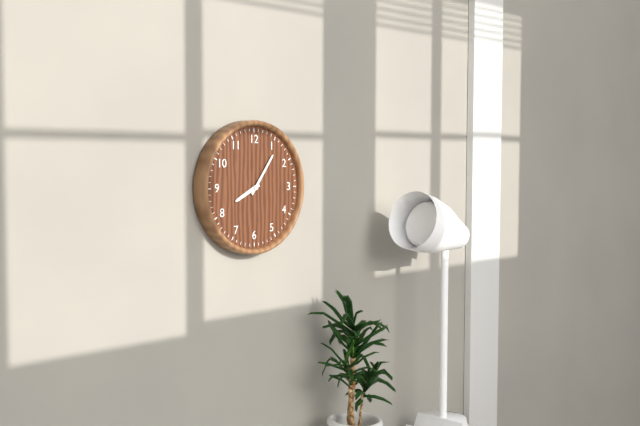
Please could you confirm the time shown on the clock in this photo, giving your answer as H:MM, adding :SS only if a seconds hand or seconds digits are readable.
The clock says 8:06
